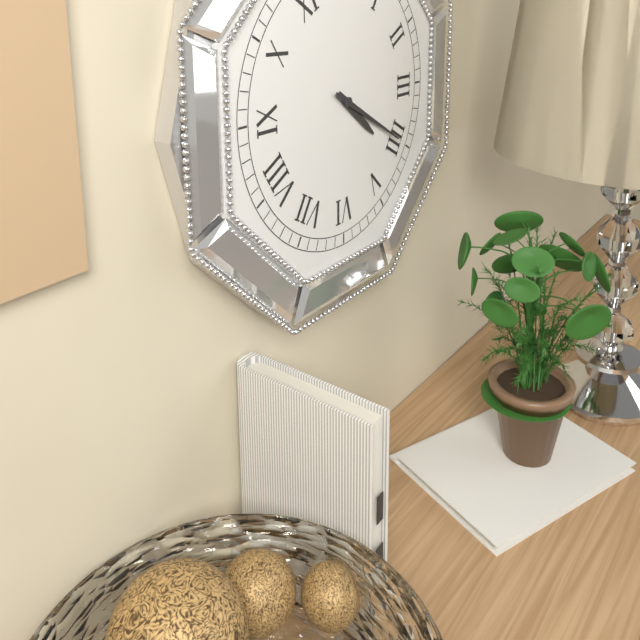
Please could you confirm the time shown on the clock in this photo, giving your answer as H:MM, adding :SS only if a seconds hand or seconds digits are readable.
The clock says 4:20
